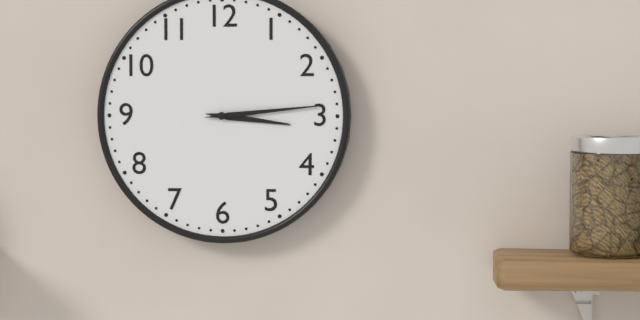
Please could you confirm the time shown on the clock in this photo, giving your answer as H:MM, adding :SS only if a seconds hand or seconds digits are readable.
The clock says 3:14
